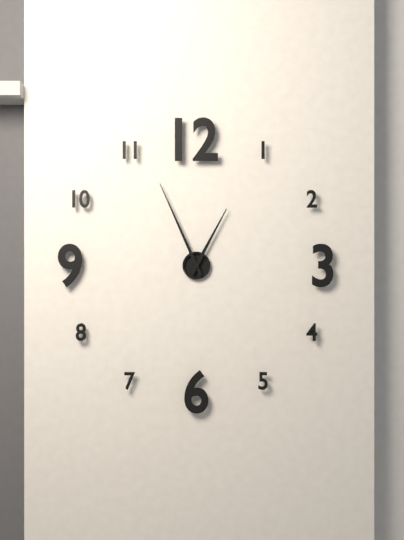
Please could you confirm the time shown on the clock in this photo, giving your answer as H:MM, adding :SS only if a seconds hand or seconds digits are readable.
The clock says 12:56
